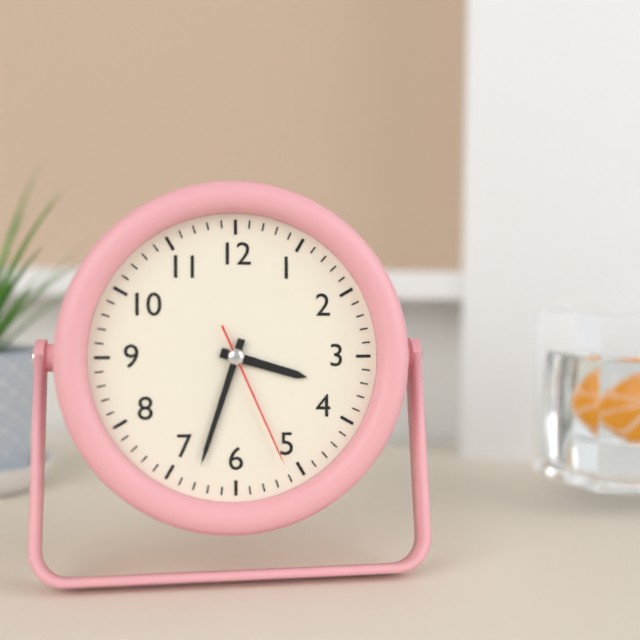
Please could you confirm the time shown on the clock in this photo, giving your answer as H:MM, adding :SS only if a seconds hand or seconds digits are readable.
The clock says 3:33:26
